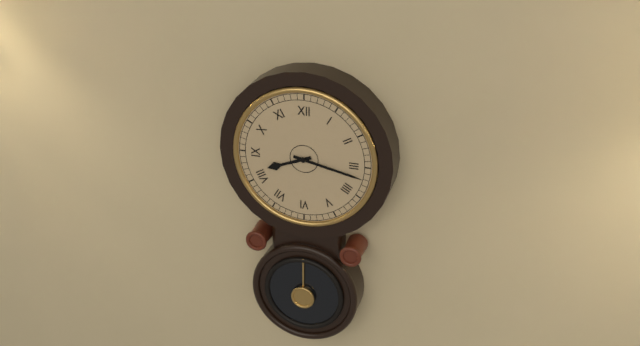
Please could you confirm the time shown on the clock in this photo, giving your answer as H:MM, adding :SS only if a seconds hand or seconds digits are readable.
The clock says 8:17
